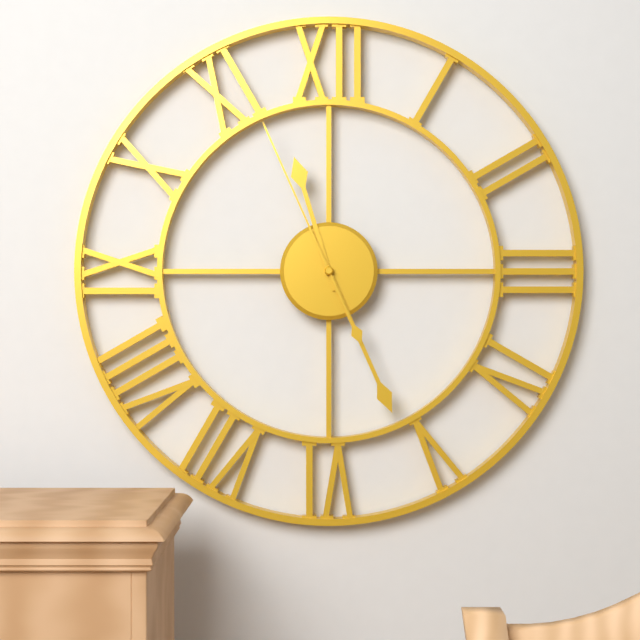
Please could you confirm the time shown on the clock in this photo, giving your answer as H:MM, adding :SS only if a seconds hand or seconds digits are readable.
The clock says 11:26:56
